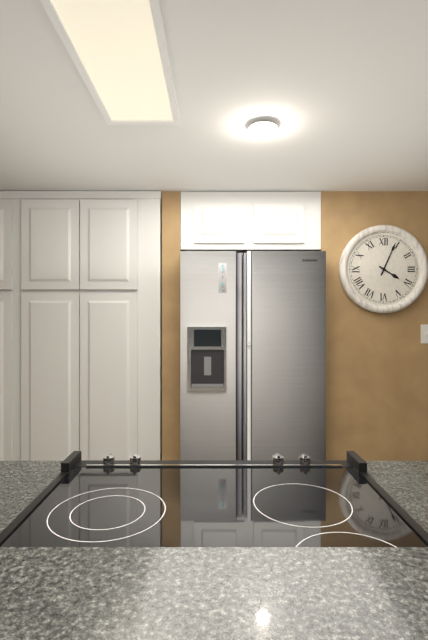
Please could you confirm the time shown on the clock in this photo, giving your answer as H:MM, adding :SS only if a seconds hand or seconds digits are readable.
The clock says 4:04
